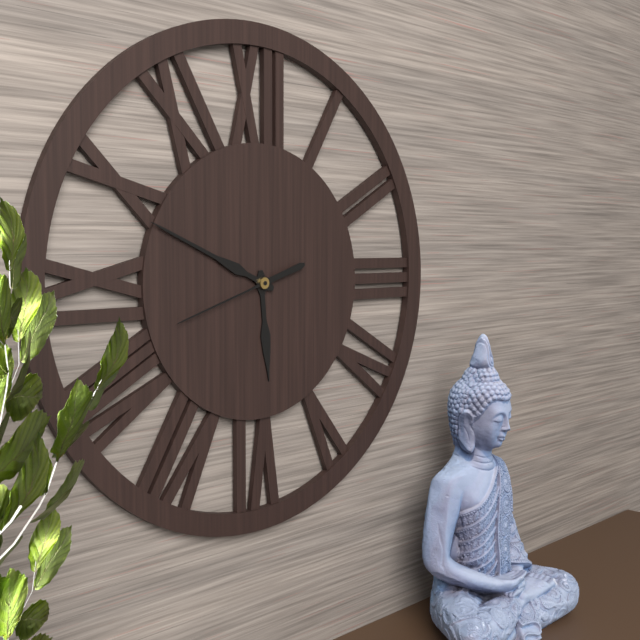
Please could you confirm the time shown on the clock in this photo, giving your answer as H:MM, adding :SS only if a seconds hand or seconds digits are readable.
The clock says 5:49:42
